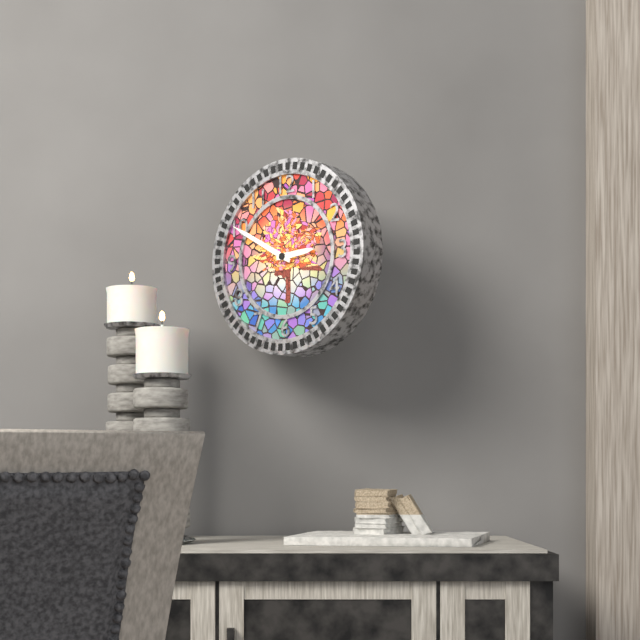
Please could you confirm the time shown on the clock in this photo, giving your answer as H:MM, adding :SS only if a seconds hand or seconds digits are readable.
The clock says 2:50
